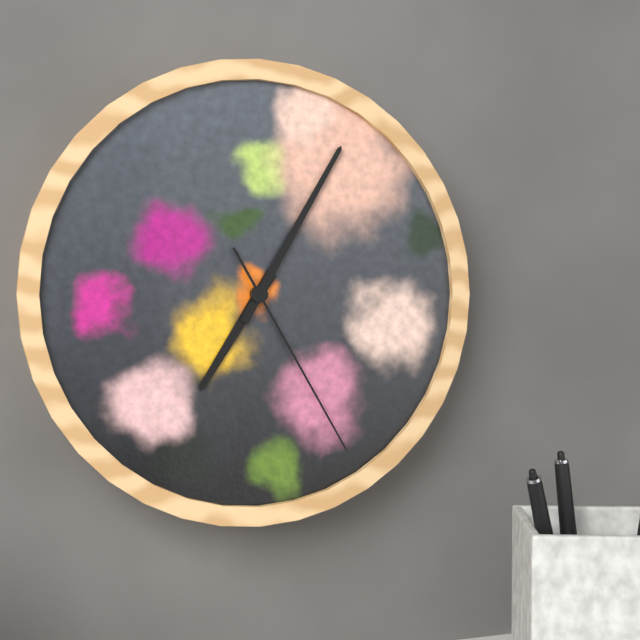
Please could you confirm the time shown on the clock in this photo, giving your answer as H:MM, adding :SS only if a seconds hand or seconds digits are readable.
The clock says 7:05:25
